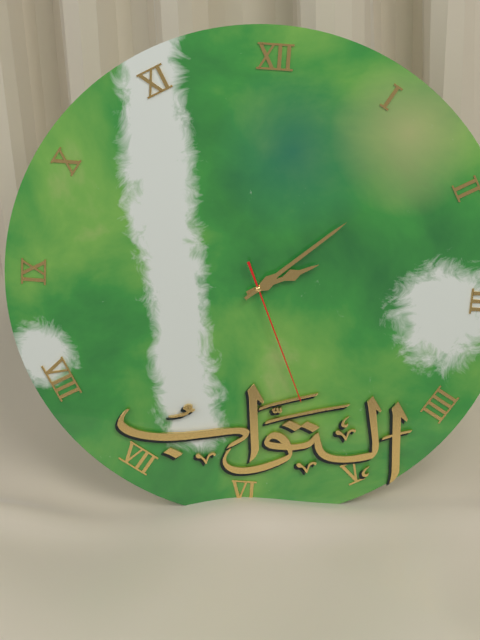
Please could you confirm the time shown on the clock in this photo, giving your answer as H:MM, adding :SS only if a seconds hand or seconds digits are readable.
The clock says 2:08:26
